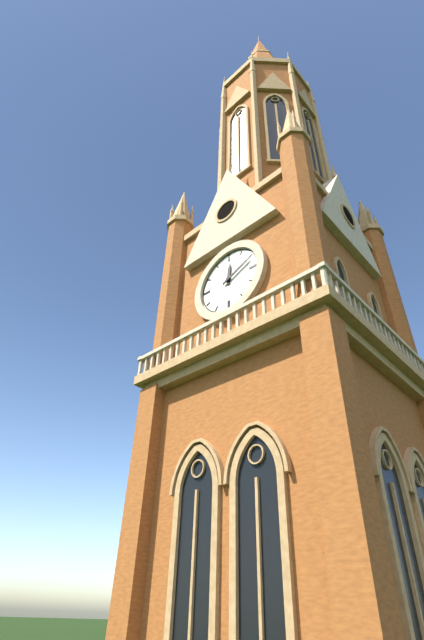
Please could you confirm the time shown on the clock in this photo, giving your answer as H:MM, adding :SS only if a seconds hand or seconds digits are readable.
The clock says 12:11
